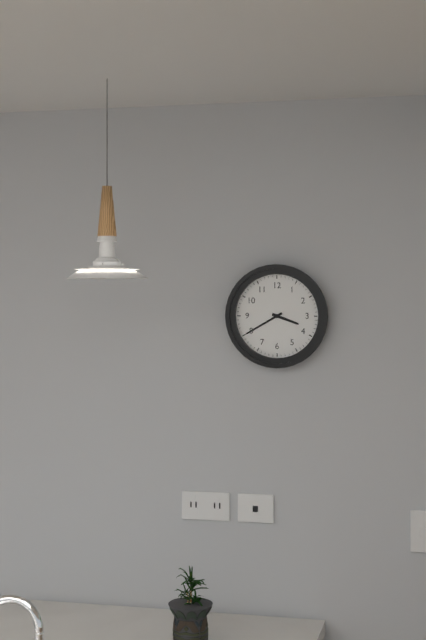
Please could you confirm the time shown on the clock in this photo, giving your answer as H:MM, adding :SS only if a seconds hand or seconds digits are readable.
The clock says 3:40
